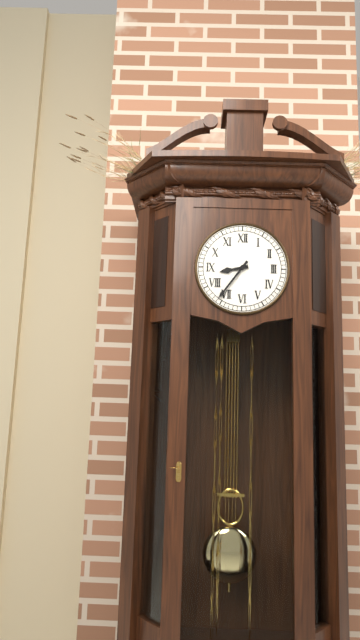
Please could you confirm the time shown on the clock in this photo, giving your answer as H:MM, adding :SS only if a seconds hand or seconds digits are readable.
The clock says 8:36
